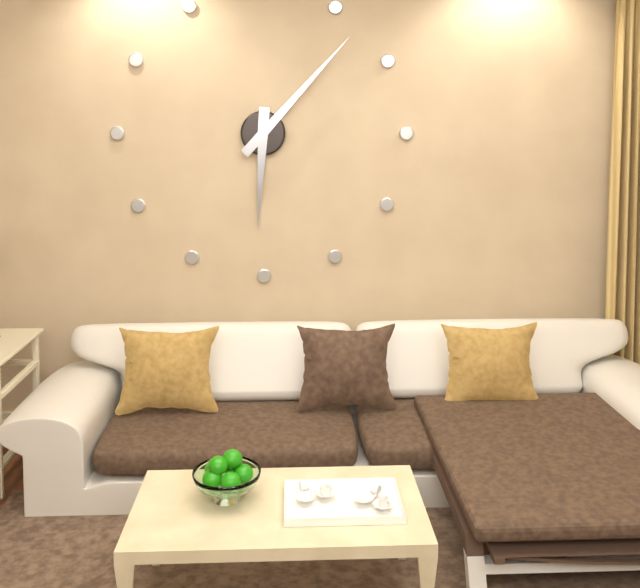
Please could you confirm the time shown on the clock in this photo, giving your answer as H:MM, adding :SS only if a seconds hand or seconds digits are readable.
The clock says 6:07
